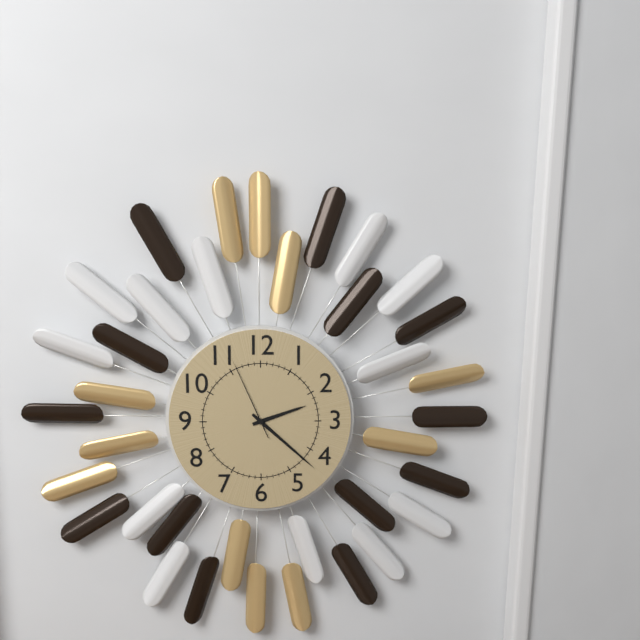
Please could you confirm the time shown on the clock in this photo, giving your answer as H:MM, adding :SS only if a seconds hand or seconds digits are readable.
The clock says 2:22:56
